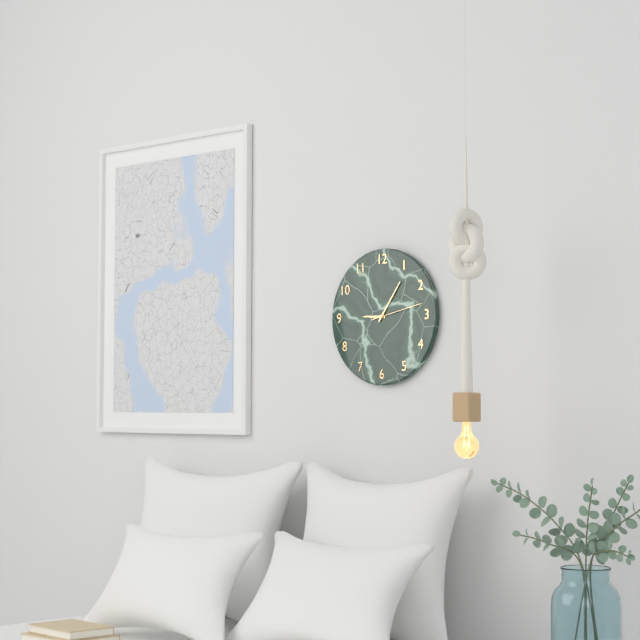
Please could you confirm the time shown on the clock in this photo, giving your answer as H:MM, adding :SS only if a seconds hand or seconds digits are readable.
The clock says 9:06:13
